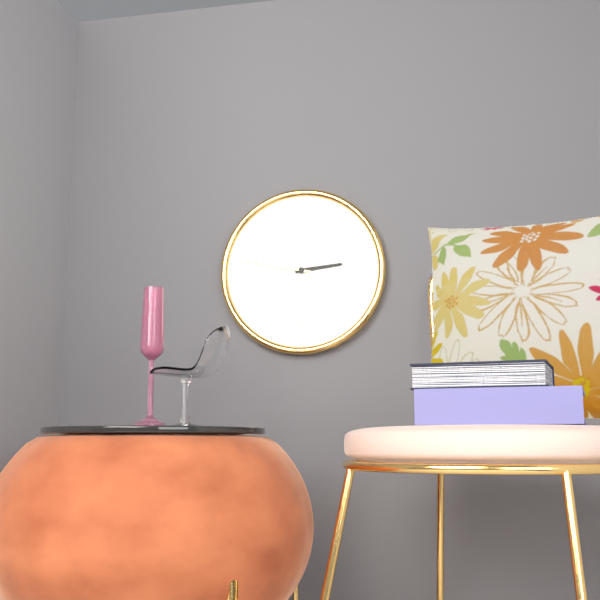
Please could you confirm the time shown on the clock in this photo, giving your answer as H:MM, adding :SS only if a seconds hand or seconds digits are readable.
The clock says 2:47
